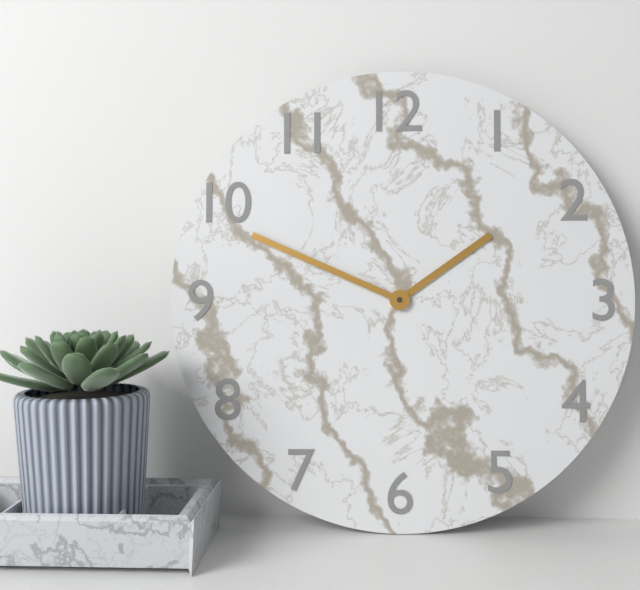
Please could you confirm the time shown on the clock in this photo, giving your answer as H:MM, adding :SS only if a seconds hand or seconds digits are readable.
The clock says 1:49
